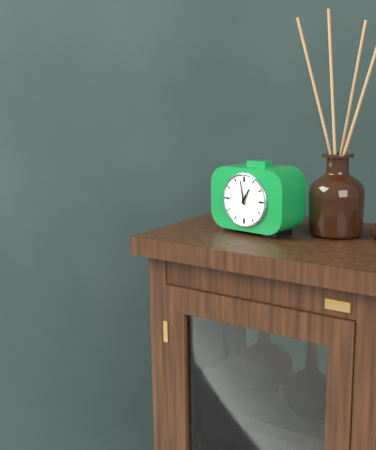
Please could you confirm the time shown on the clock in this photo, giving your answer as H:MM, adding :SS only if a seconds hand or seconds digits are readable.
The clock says 12:58
